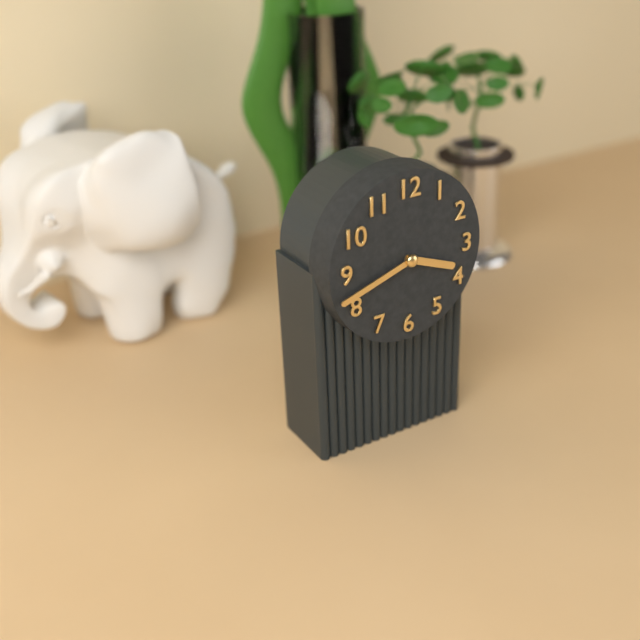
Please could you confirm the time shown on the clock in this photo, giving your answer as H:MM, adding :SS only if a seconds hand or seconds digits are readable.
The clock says 3:42
